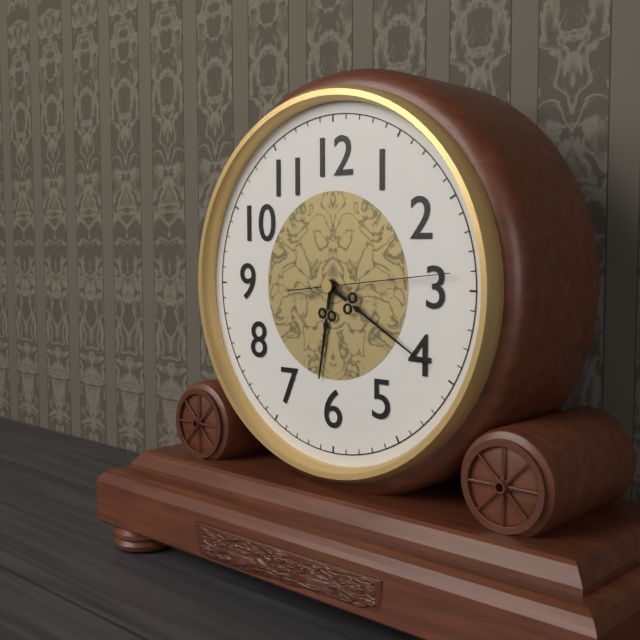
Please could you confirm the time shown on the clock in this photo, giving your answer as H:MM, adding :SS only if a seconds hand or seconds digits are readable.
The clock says 6:20:14
